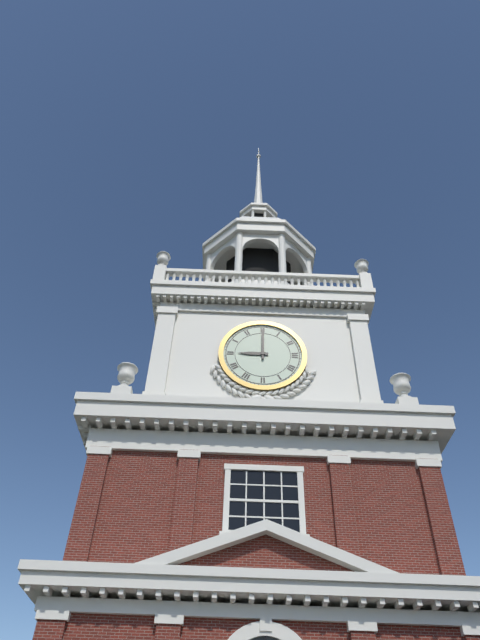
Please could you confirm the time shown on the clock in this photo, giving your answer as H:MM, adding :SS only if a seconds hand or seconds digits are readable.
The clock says 9:00
